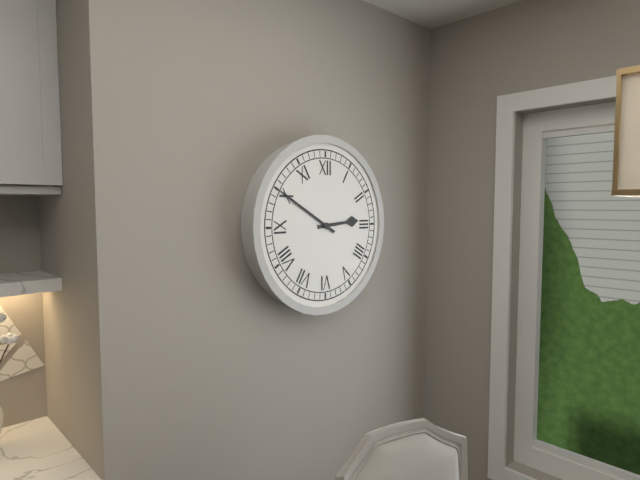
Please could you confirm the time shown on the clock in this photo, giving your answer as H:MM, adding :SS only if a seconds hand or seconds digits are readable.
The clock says 2:50
